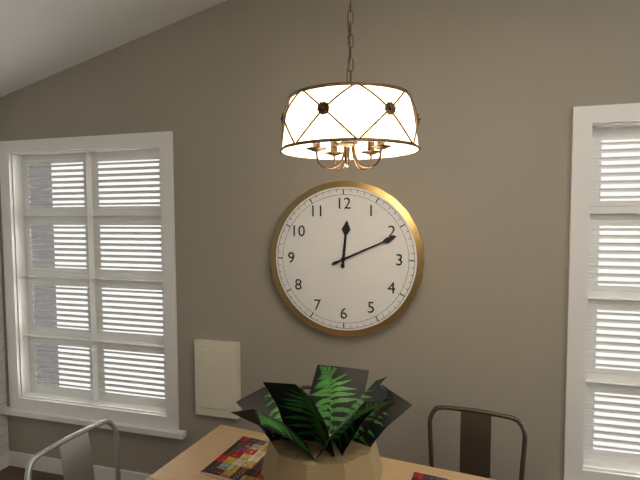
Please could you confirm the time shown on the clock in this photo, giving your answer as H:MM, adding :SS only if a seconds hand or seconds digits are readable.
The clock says 12:11
